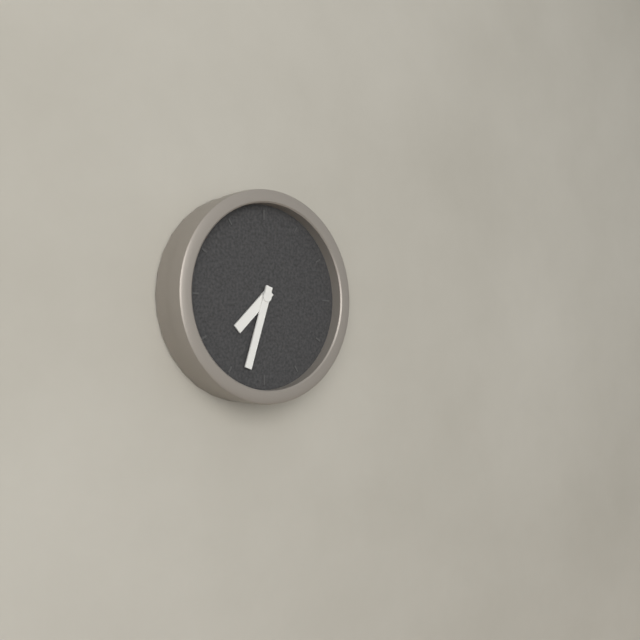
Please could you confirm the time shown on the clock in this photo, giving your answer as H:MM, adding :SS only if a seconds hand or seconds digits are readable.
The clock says 7:33
